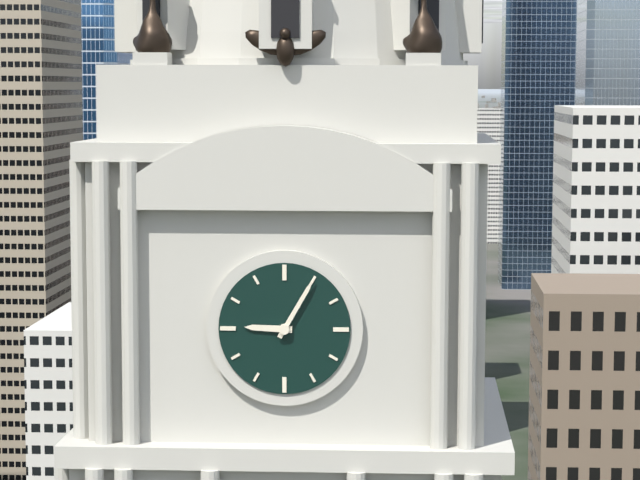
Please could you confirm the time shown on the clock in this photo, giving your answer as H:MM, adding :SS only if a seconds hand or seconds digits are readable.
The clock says 9:05
